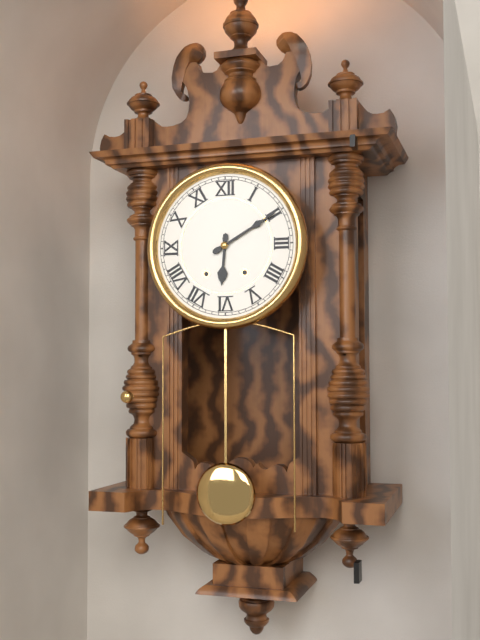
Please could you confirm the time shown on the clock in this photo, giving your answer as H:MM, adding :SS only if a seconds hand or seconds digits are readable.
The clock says 6:10
